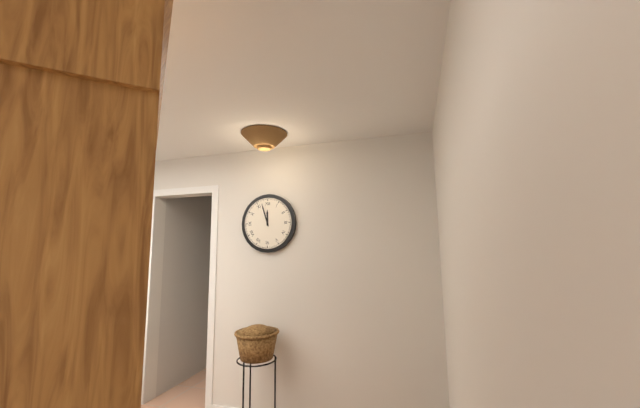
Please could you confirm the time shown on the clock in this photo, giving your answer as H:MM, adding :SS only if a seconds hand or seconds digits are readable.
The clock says 11:57
